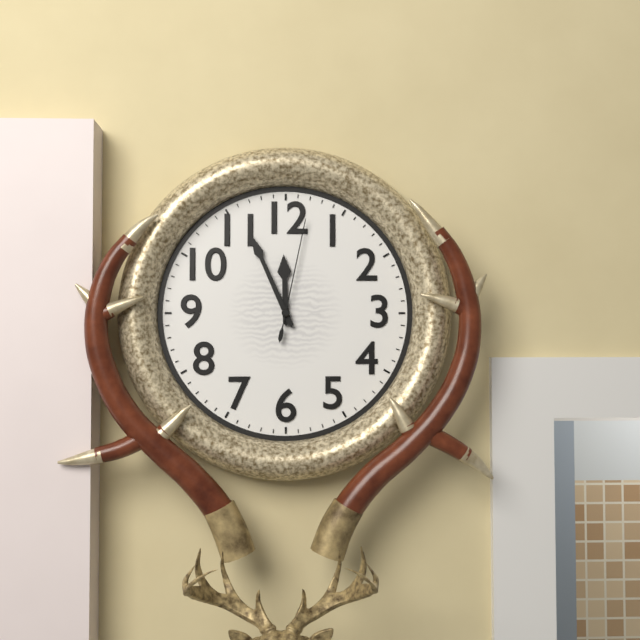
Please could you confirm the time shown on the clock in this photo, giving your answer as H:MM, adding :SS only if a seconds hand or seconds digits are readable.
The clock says 11:56:02
